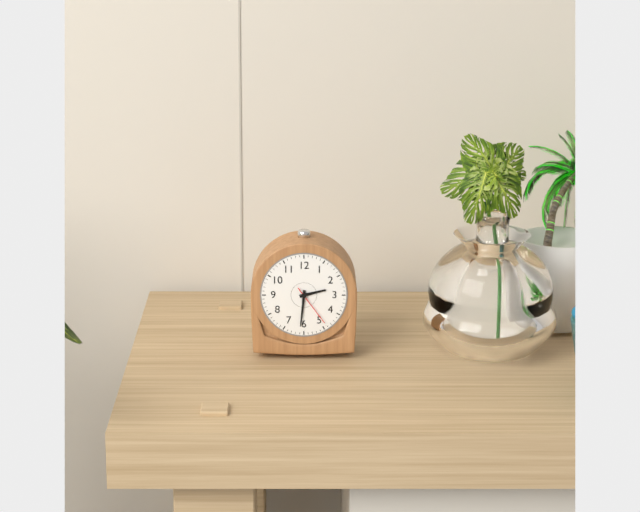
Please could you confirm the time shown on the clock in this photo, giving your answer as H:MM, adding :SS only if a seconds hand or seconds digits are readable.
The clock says 2:31
